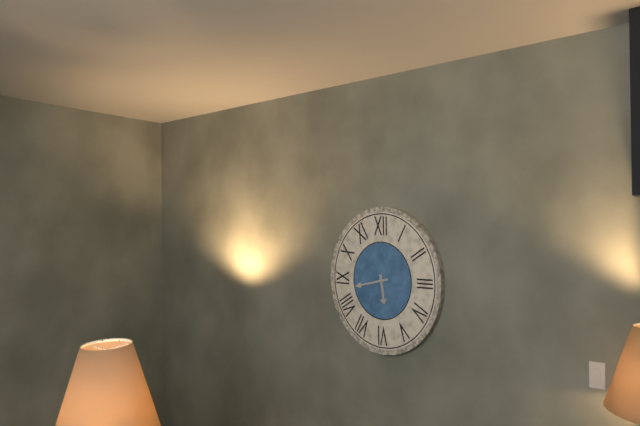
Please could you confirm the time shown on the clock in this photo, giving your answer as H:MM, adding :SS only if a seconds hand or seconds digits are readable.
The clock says 5:43
